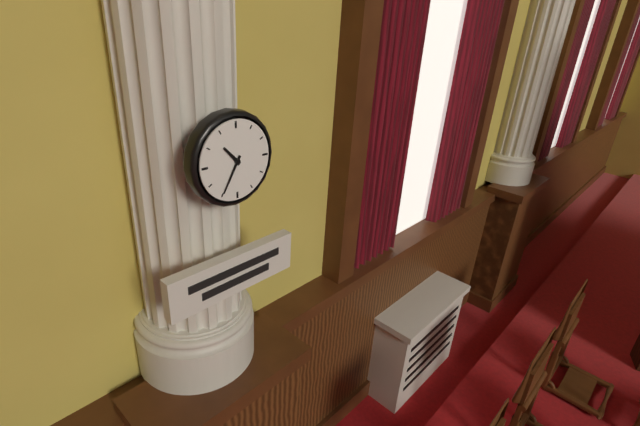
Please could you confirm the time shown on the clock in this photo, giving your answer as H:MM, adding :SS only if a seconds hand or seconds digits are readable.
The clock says 10:35
